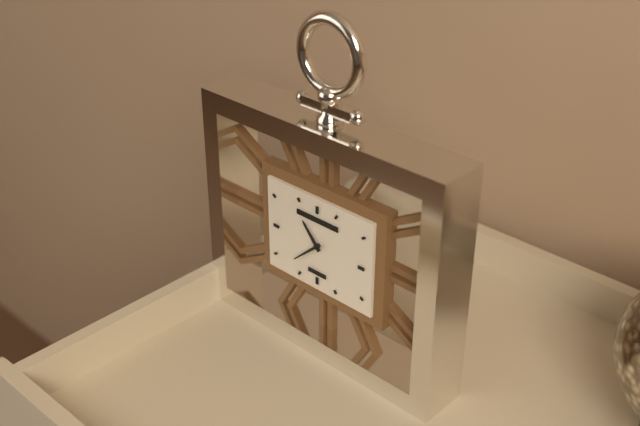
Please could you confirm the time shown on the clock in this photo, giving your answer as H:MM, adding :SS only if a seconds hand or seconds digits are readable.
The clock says 10:38
